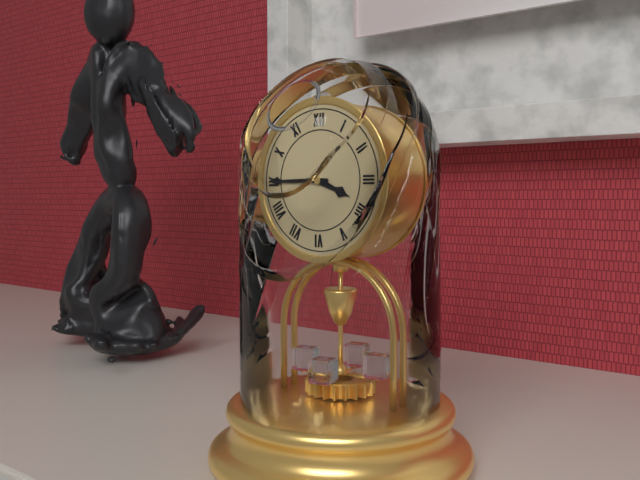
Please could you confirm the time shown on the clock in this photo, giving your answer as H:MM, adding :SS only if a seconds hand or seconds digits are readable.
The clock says 3:45
